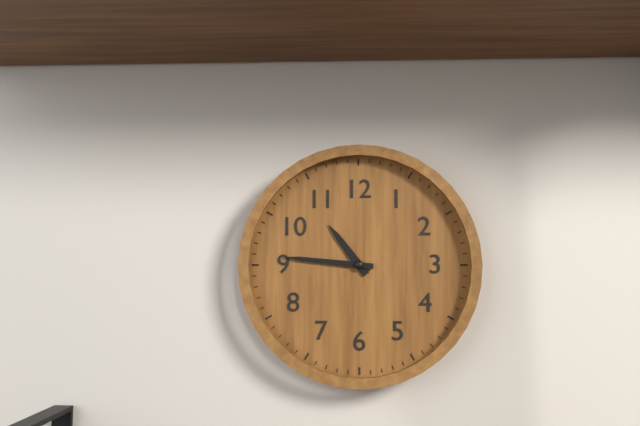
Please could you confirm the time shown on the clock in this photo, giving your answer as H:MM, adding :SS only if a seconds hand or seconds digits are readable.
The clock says 10:46
